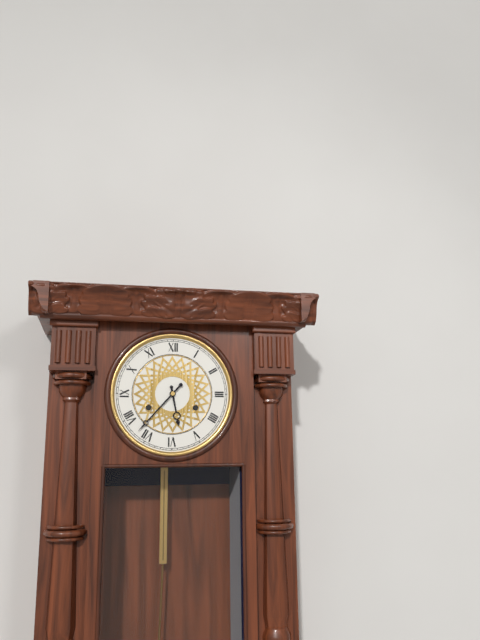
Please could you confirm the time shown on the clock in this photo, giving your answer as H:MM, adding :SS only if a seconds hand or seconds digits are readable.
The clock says 5:37
